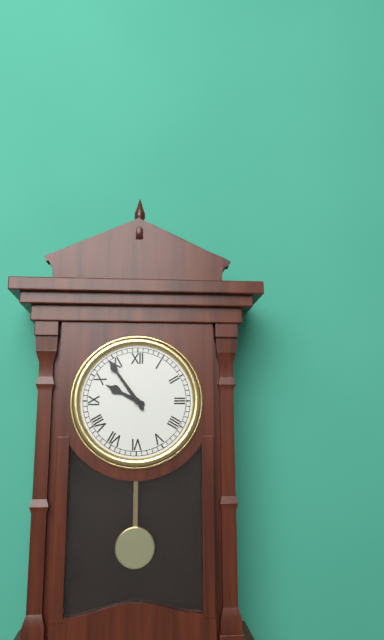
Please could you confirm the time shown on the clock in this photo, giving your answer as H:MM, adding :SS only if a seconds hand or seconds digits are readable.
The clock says 9:54
